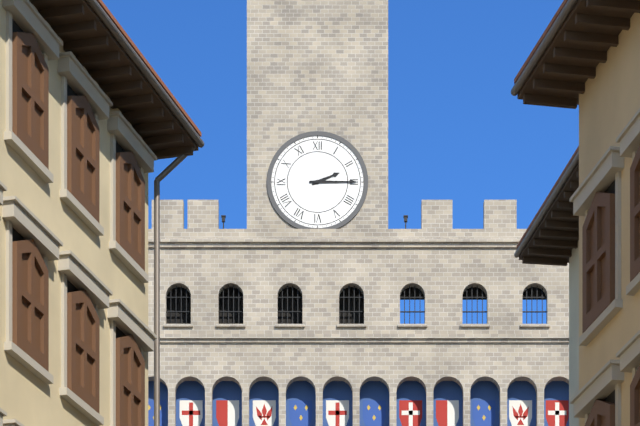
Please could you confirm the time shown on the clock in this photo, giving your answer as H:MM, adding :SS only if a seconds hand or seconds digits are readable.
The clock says 2:15
